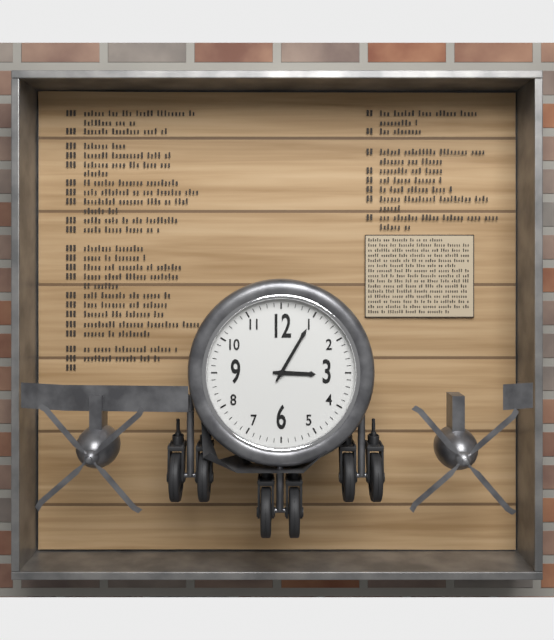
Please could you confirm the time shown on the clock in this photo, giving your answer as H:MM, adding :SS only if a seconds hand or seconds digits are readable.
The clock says 3:05
